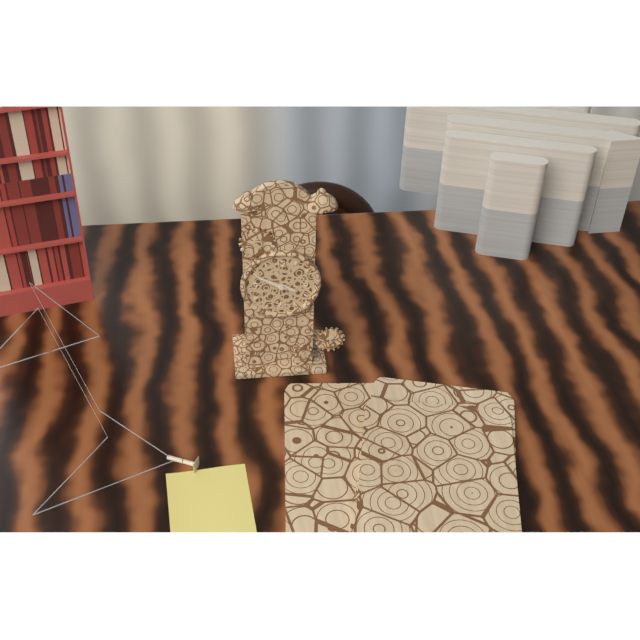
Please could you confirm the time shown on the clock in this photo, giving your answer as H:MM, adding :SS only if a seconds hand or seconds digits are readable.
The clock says 3:50
